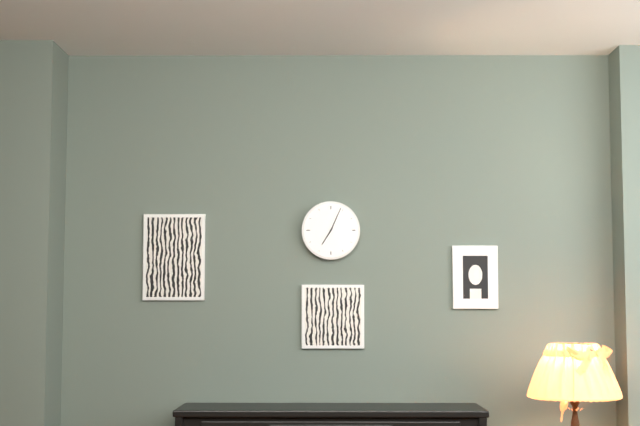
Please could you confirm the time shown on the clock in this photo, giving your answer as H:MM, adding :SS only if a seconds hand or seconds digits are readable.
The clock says 7:04
